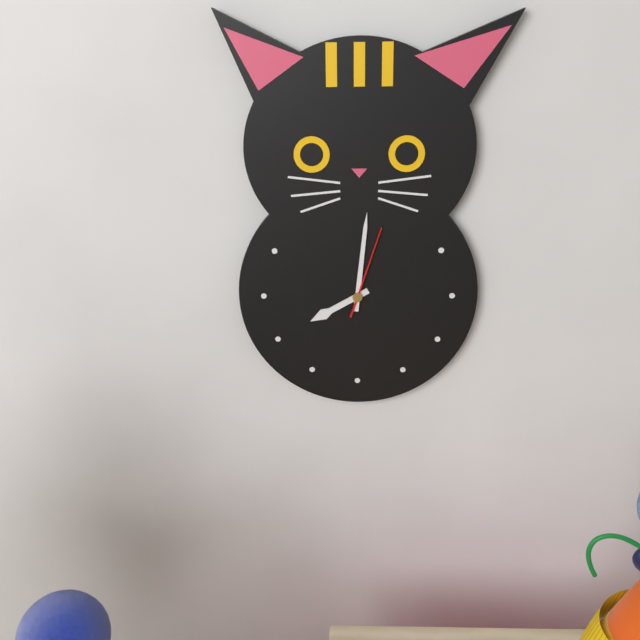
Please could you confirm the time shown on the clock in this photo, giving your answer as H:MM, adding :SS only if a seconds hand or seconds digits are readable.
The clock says 8:01:03
